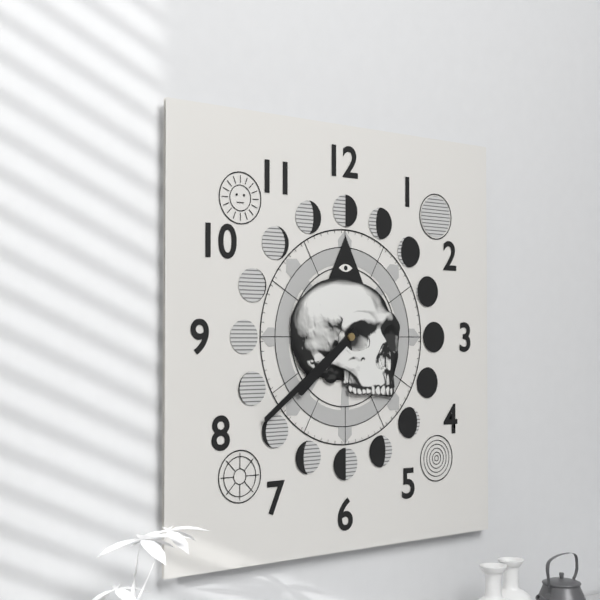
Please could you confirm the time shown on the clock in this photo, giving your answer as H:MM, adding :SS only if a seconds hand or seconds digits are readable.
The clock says 7:39
